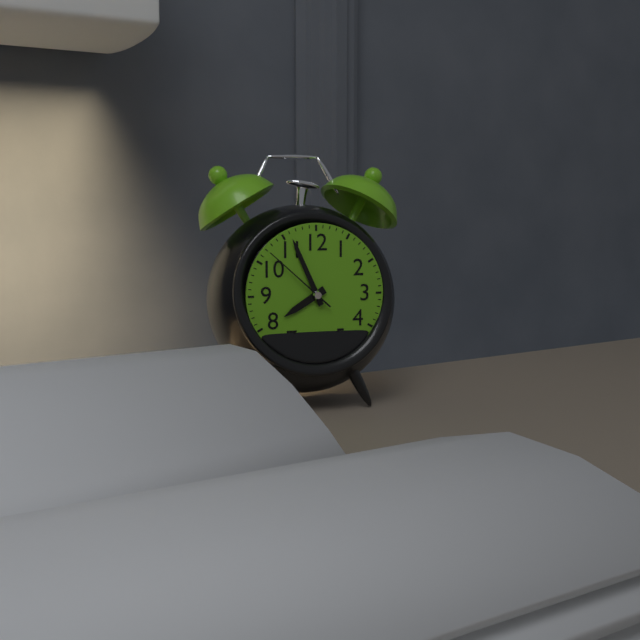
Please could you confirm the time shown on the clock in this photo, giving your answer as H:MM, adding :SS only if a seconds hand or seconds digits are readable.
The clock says 7:56:52
